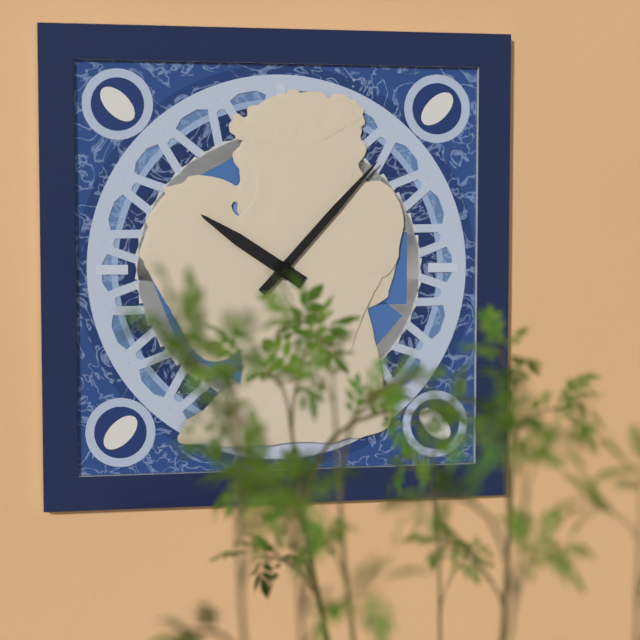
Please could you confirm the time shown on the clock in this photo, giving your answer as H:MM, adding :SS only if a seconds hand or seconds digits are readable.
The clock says 10:07
